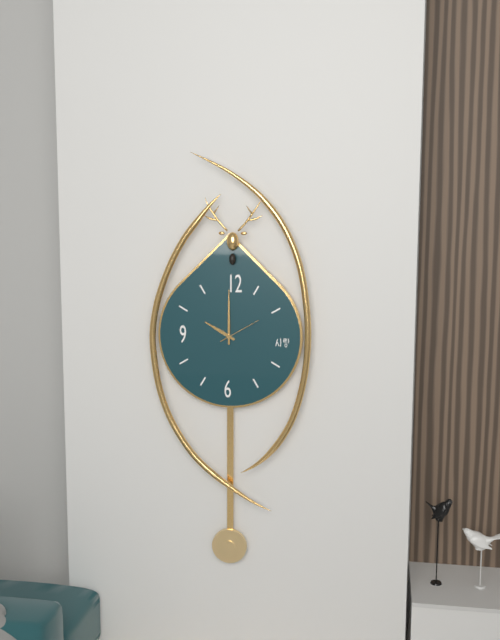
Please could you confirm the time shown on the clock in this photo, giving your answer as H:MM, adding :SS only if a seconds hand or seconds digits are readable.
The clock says 10:00
